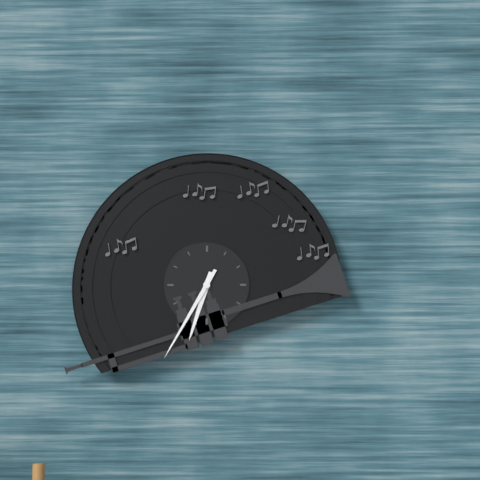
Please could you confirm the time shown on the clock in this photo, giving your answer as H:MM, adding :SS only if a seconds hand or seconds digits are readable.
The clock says 6:35
